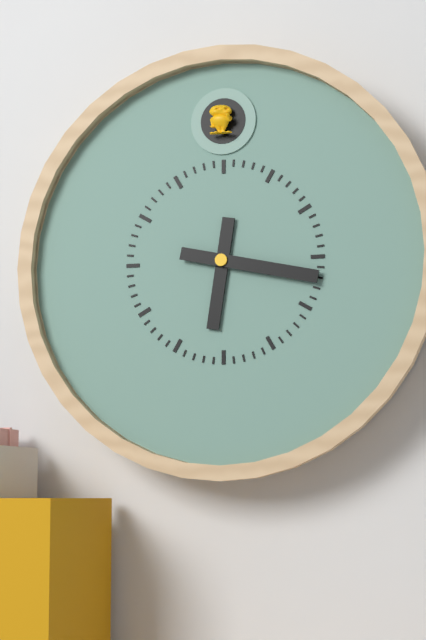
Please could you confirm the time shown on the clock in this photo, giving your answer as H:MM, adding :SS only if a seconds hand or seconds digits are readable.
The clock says 6:17
